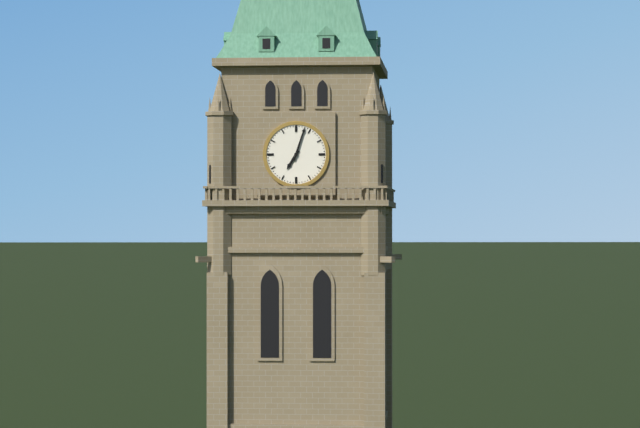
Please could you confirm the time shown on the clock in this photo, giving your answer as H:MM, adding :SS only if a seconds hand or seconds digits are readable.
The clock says 7:03
